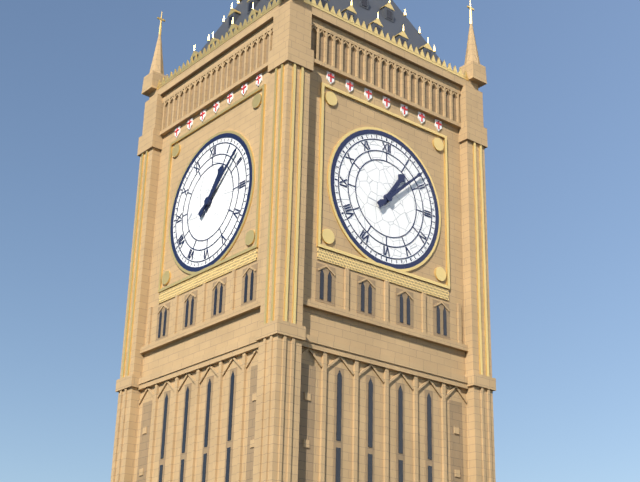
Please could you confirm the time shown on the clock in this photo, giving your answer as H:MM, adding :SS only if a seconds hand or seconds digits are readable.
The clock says 1:08
